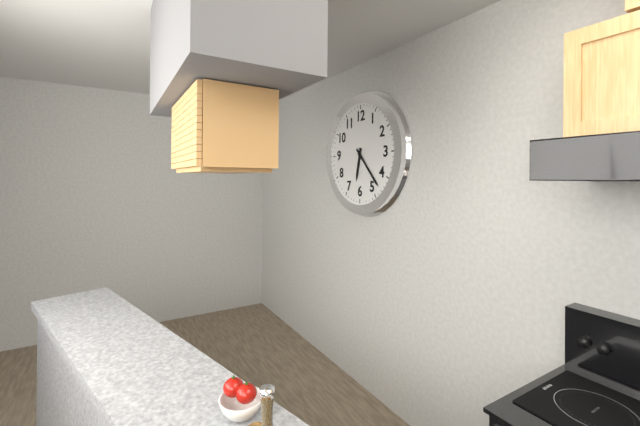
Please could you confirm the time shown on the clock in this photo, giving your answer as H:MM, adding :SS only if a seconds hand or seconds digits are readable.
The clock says 6:23
